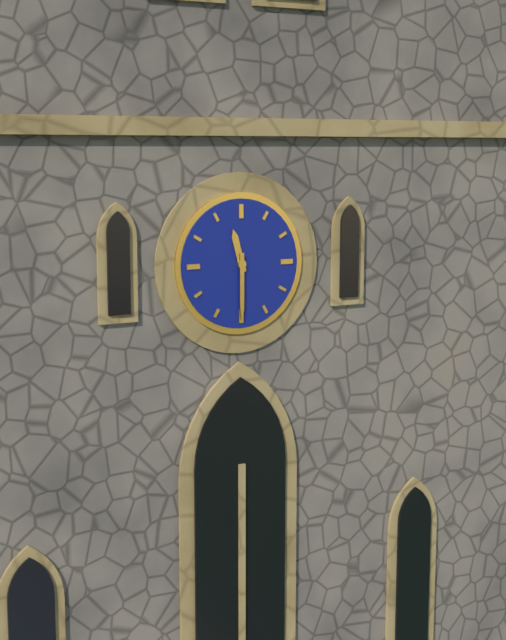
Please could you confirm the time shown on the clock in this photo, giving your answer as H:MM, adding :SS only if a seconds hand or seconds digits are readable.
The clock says 11:30
